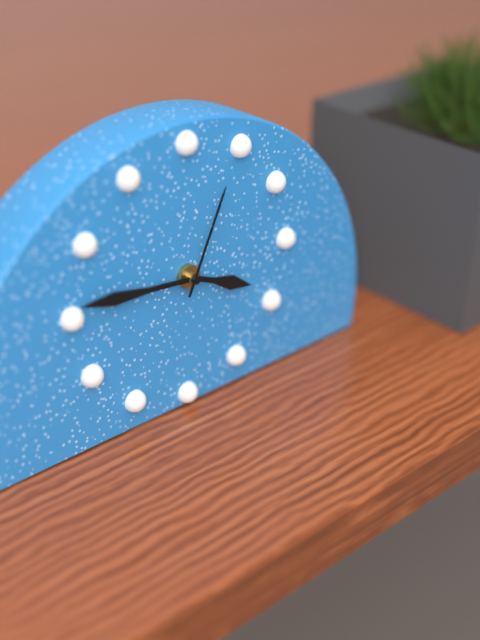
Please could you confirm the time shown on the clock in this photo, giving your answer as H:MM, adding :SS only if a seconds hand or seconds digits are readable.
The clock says 3:46:04
